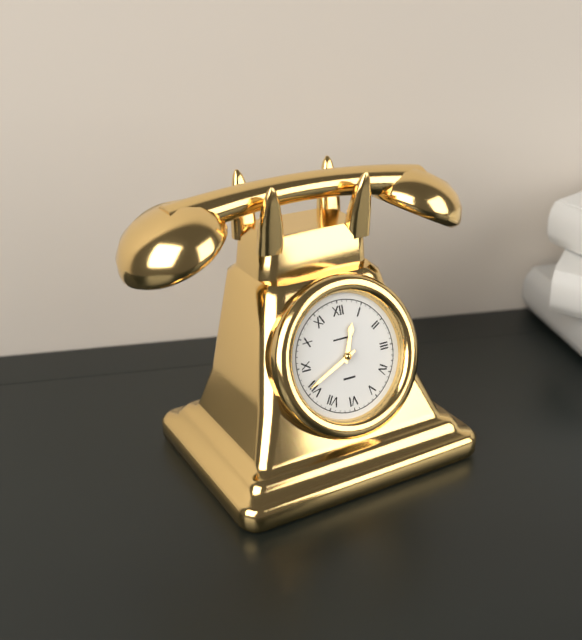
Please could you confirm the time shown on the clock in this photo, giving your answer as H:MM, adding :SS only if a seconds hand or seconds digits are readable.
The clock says 12:41
